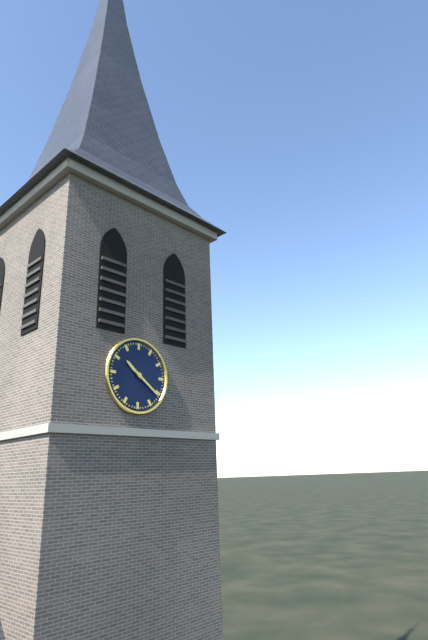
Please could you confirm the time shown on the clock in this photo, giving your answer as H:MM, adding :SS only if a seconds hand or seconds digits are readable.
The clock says 10:21
